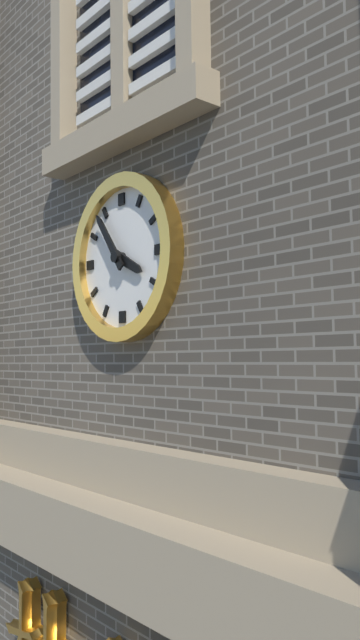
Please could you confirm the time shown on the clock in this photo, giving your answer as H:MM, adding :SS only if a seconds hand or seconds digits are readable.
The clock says 3:54
